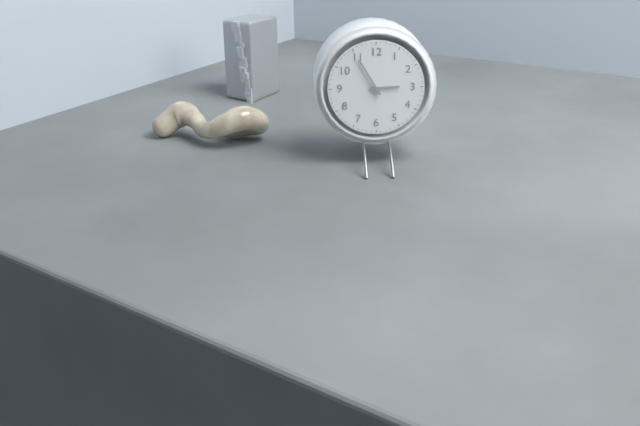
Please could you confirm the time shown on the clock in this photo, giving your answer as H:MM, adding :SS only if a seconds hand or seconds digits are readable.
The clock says 2:55
